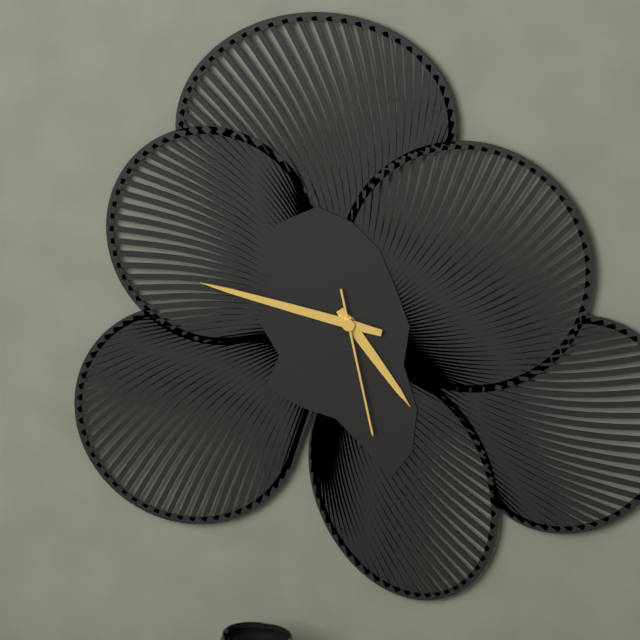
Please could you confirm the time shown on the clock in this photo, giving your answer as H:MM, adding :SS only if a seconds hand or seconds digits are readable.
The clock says 4:47:28
